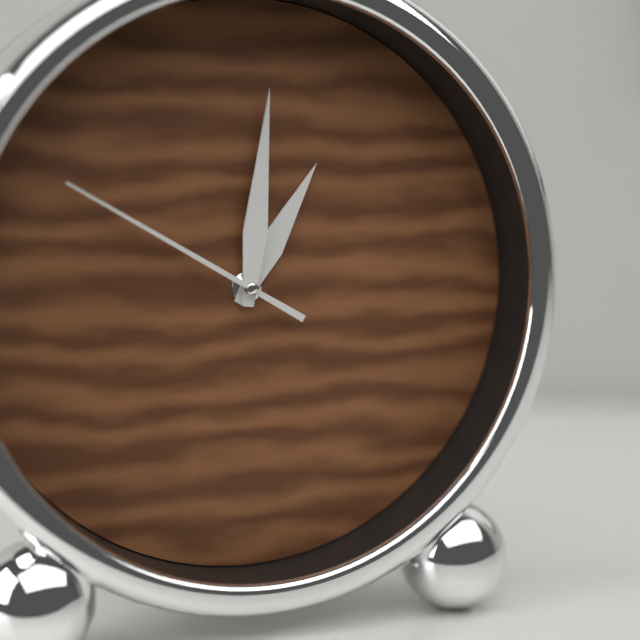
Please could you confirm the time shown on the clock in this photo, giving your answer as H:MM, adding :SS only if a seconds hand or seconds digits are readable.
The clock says 1:01:50
